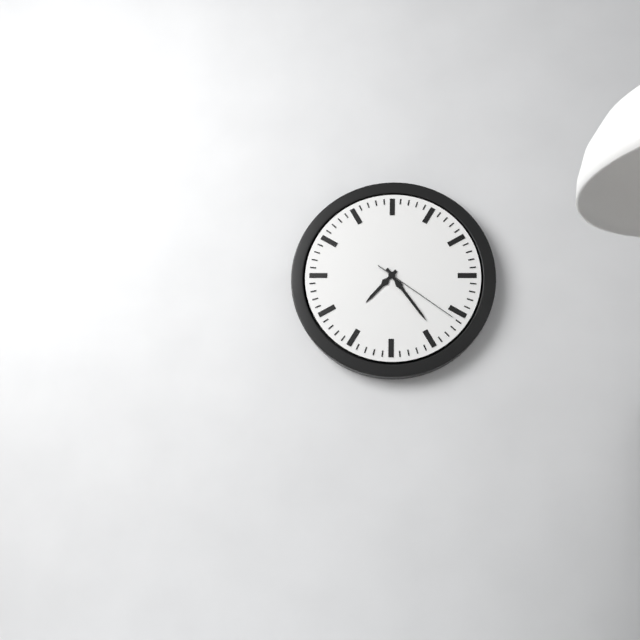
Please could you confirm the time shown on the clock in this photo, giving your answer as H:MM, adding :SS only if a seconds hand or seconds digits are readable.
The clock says 7:24:21
